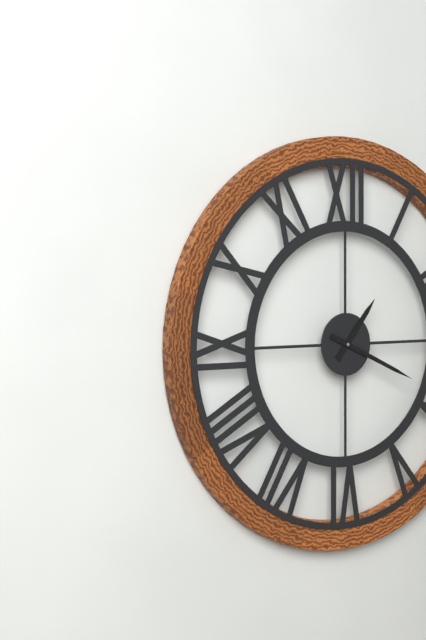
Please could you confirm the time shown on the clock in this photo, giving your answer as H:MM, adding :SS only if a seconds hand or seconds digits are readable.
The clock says 1:19
